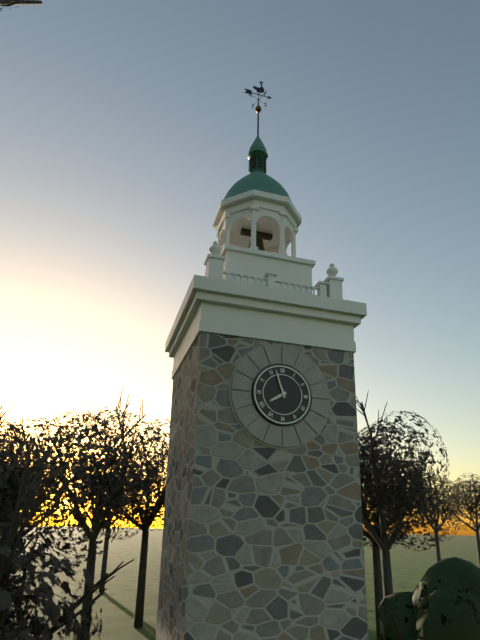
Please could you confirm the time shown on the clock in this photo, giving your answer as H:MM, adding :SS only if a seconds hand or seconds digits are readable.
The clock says 7:57
